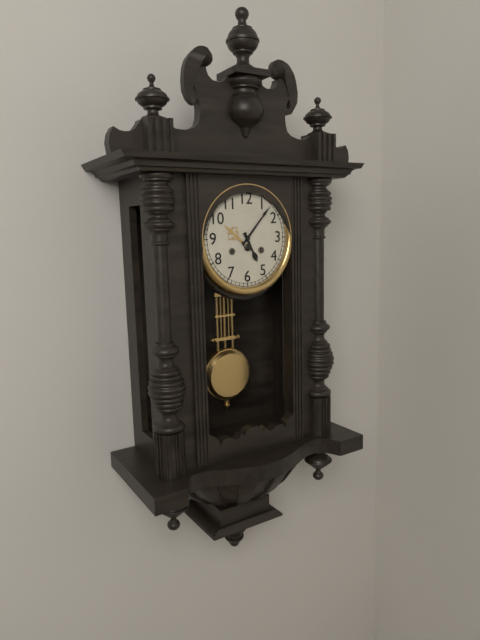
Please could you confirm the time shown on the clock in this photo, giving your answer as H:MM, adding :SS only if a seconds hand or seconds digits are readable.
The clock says 5:07
